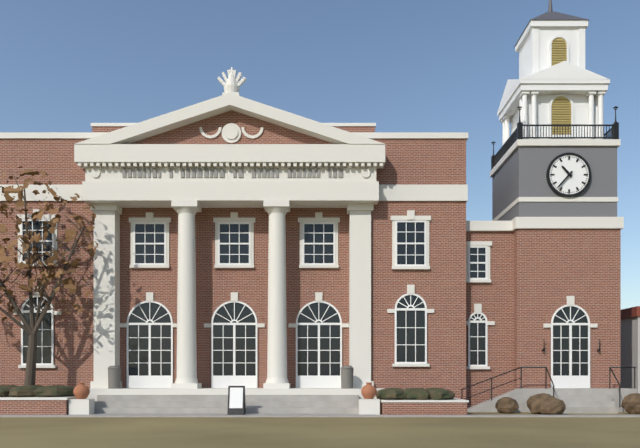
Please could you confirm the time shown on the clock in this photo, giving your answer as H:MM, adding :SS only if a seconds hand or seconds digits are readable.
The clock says 10:37
